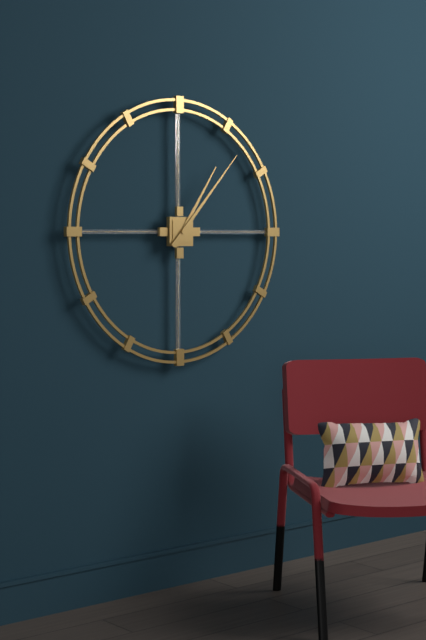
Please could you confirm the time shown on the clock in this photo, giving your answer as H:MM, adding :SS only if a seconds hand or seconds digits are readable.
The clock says 1:07
